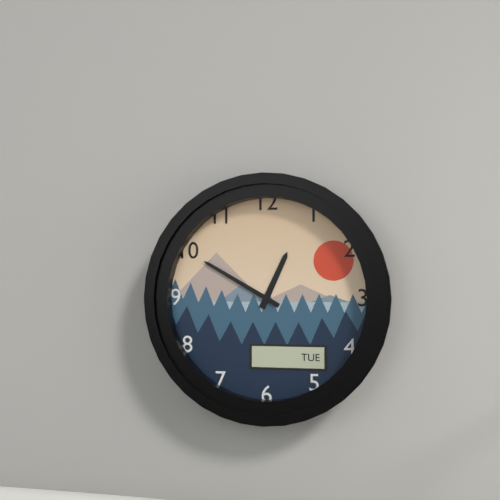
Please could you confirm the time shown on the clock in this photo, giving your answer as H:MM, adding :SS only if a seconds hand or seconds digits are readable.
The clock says 12:50
